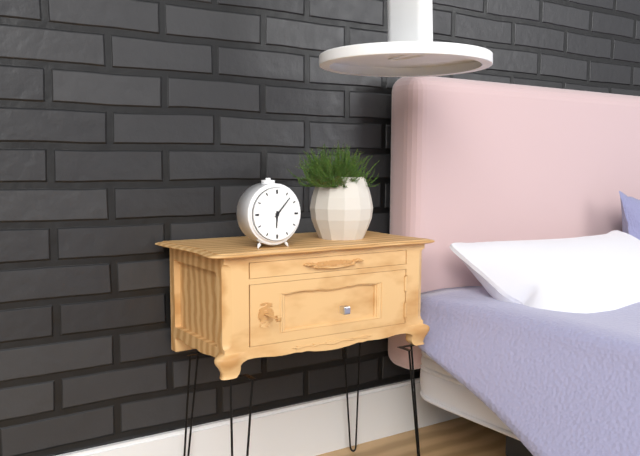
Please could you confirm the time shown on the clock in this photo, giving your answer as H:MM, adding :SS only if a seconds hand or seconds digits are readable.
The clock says 6:07
